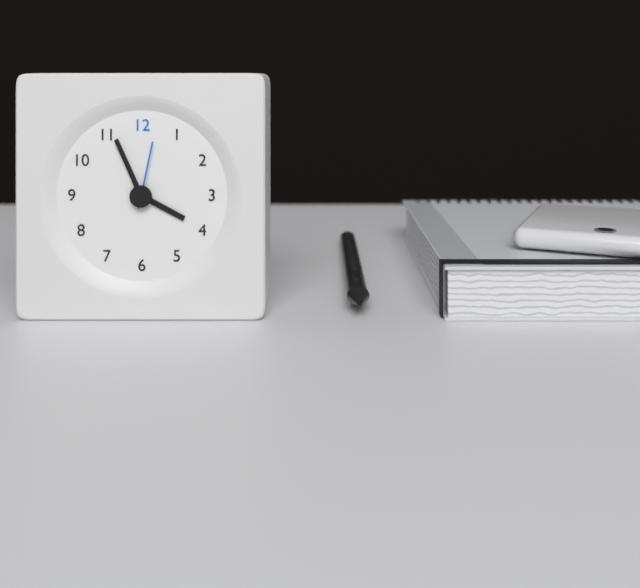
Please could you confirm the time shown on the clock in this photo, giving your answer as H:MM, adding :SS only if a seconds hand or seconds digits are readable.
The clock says 3:56:02
